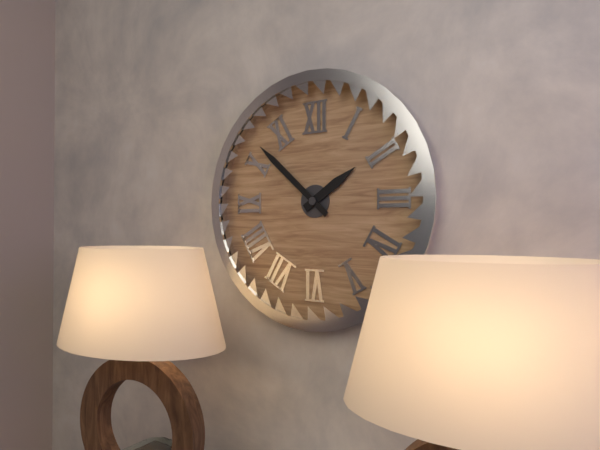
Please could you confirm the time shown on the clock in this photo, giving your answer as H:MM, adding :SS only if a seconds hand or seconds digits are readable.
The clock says 1:52
